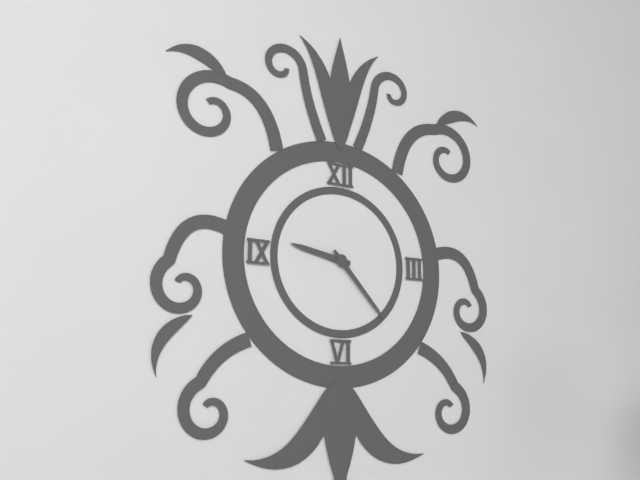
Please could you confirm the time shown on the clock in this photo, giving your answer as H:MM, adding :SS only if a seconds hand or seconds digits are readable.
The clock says 9:23
